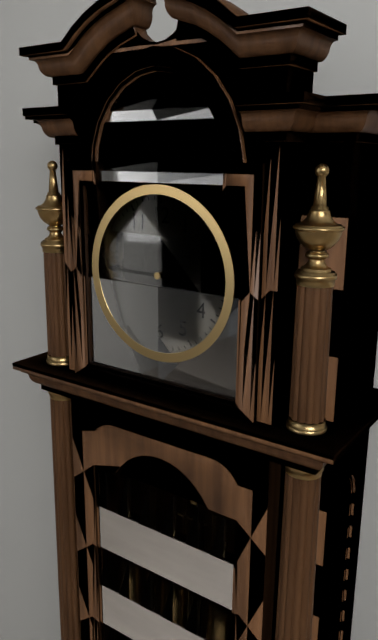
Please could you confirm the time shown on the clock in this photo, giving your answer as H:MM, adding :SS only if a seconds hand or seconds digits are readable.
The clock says 8:45
